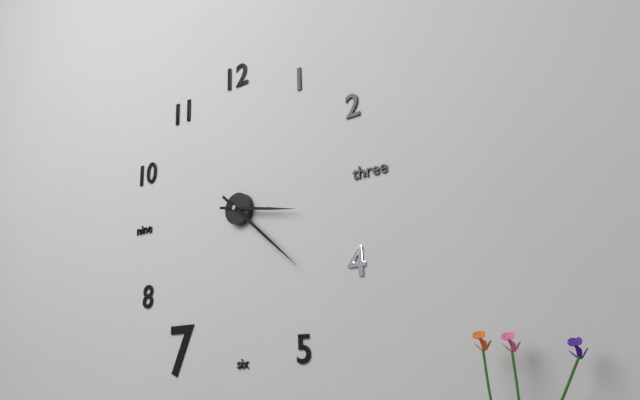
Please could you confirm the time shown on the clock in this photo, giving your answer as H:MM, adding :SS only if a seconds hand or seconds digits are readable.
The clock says 3:22
